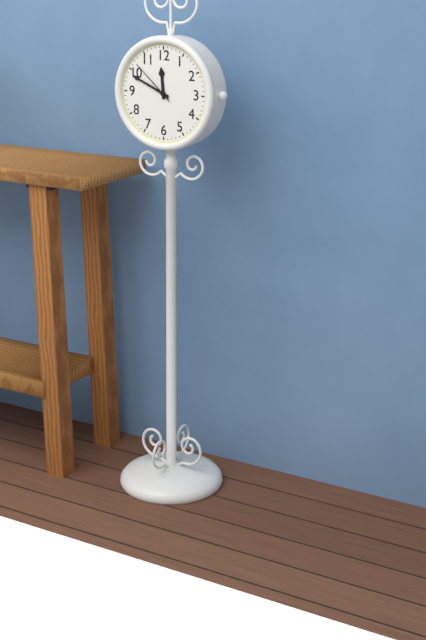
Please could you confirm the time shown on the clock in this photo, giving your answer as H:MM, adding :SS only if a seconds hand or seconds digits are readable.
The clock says 11:49:52
